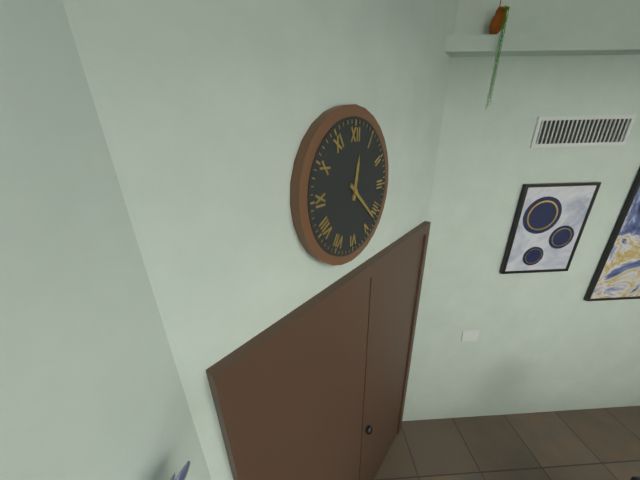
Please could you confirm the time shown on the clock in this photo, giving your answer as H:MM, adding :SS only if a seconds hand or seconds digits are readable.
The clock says 12:22
